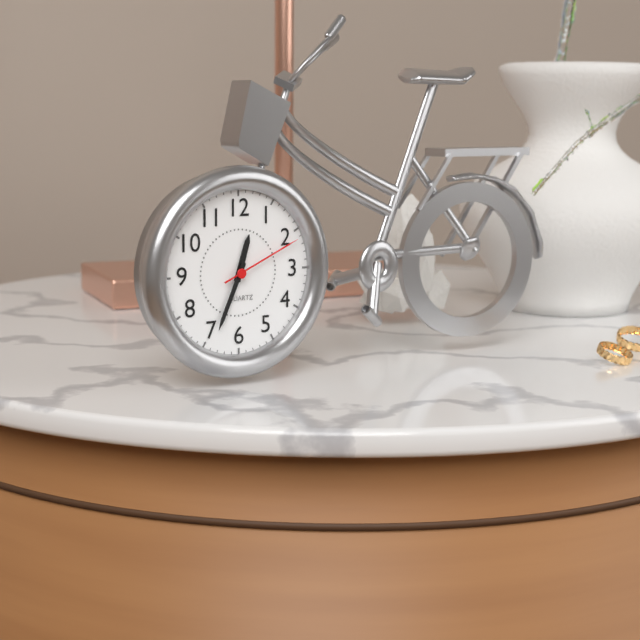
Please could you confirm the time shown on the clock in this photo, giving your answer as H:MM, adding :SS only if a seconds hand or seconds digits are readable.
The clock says 12:34:11
